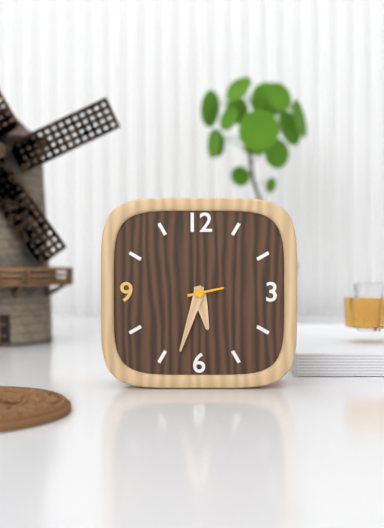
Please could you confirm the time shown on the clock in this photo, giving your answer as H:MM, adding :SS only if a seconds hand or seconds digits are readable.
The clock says 5:33
